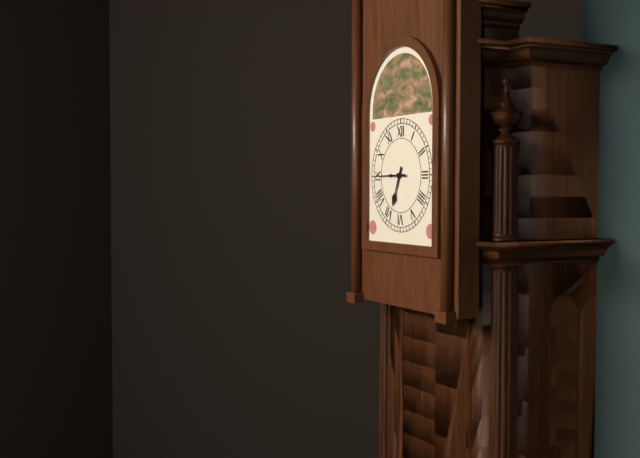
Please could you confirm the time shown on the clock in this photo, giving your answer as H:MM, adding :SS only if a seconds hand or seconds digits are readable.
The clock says 6:45
